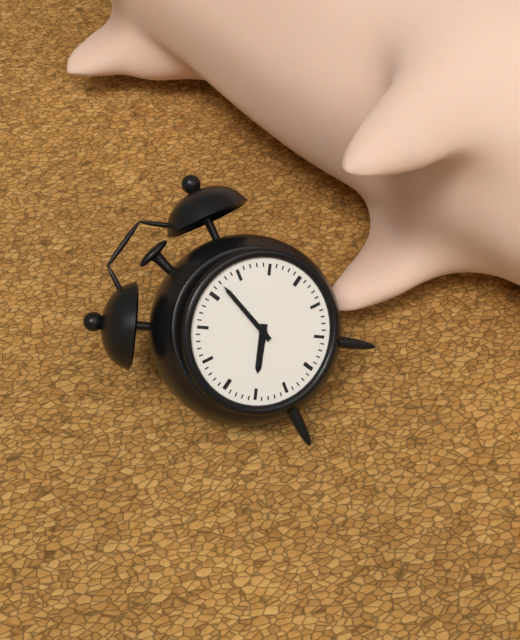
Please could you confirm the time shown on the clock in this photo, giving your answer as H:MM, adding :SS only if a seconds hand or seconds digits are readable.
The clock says 8:02
